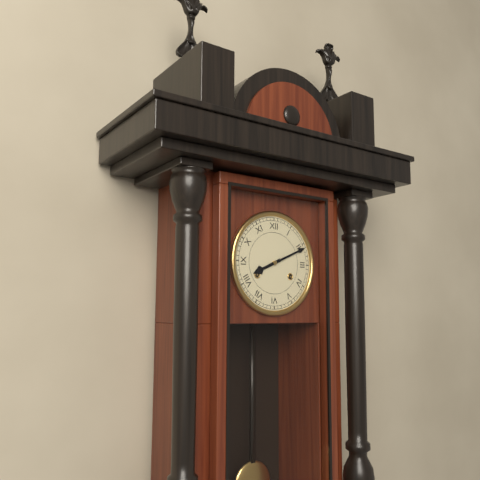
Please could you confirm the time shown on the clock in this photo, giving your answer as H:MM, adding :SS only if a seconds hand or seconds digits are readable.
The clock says 8:11
